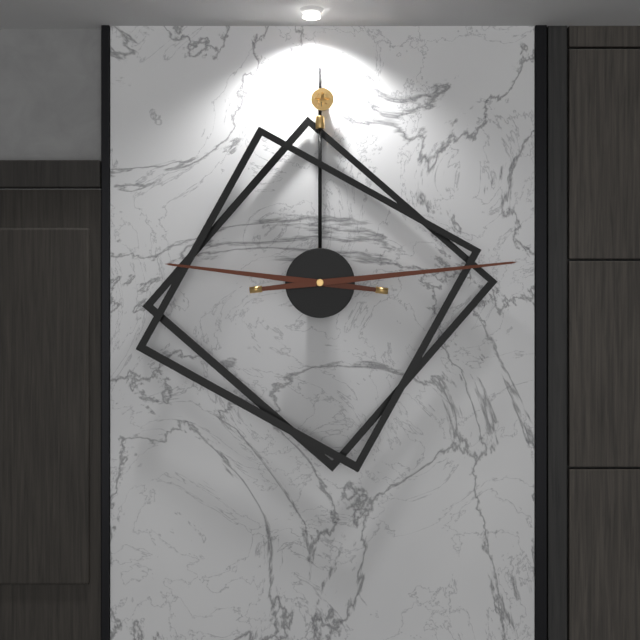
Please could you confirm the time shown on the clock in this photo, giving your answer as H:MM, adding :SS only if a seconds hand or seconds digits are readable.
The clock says 9:14
